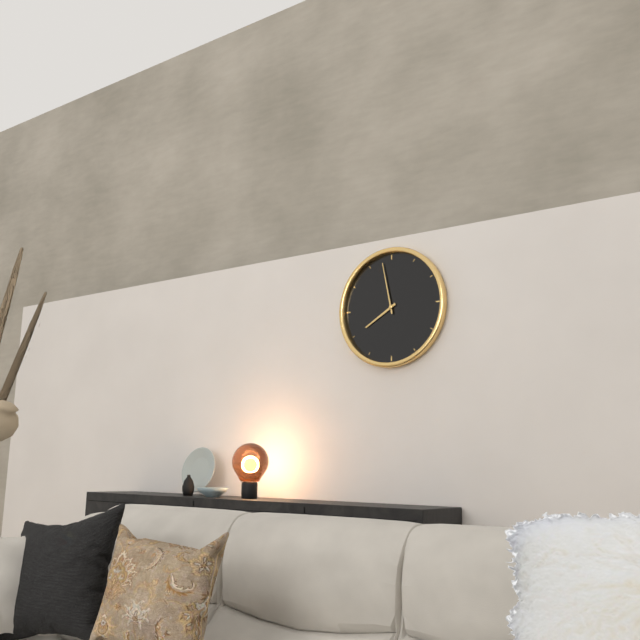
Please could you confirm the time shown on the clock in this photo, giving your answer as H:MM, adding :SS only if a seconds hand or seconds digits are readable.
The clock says 7:58
